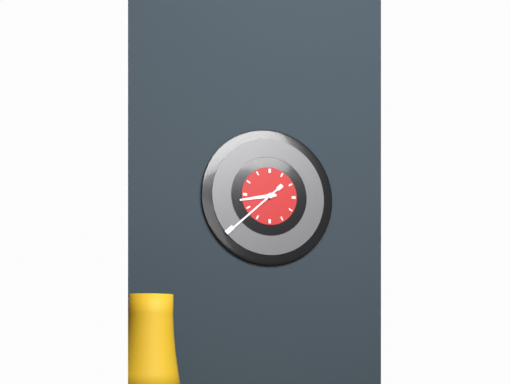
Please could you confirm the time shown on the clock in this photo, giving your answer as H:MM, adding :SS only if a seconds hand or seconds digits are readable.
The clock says 8:38
